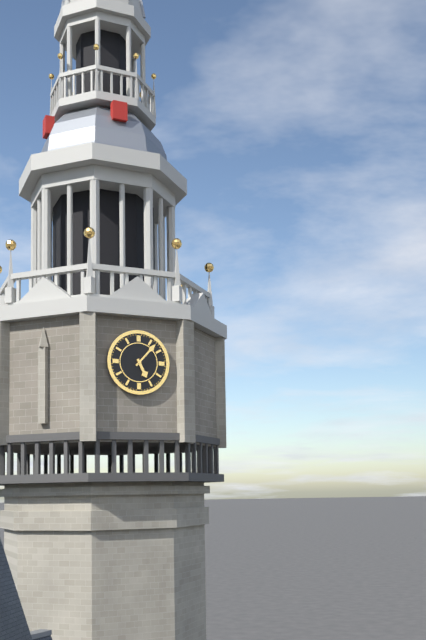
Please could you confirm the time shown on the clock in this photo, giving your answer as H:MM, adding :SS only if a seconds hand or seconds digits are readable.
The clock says 5:07
